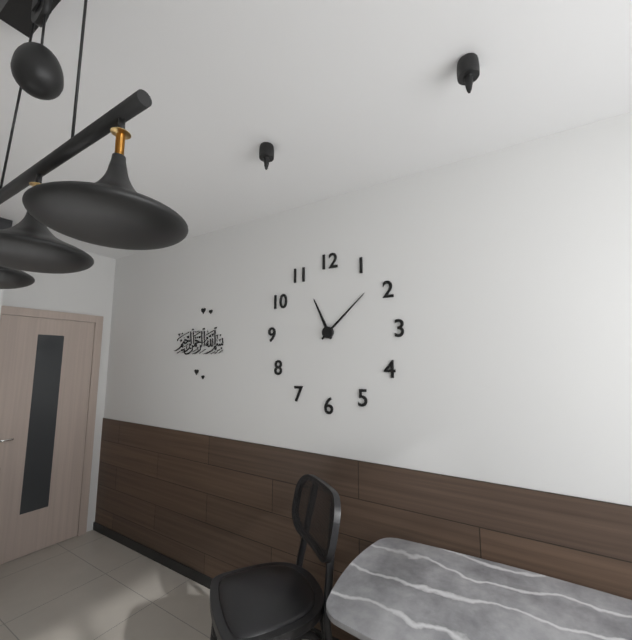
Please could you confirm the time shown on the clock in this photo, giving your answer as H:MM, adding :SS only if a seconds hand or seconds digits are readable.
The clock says 11:08
